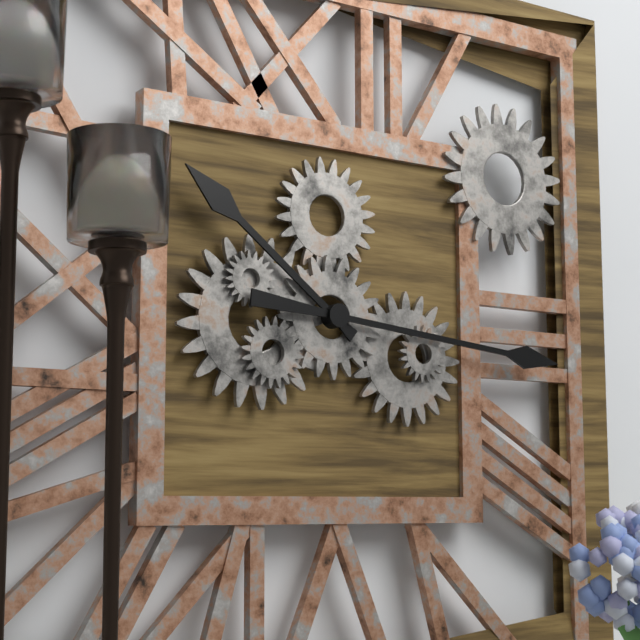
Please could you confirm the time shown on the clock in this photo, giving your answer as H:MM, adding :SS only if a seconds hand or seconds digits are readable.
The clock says 10:16
